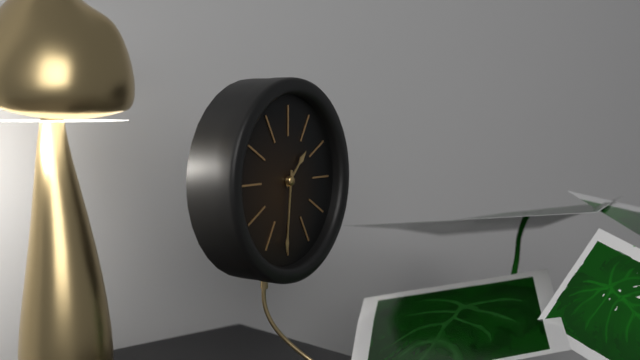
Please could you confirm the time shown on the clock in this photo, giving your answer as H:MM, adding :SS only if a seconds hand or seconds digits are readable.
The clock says 1:31
